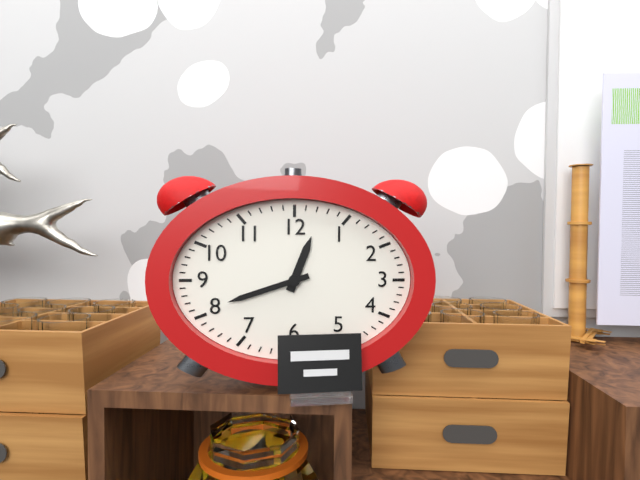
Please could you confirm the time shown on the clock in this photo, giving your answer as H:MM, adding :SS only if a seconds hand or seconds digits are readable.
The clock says 12:42
